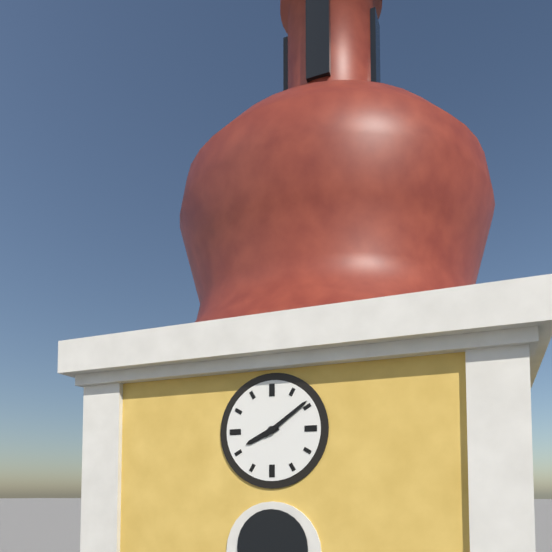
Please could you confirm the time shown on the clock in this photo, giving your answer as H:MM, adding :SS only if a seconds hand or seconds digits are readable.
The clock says 8:09
